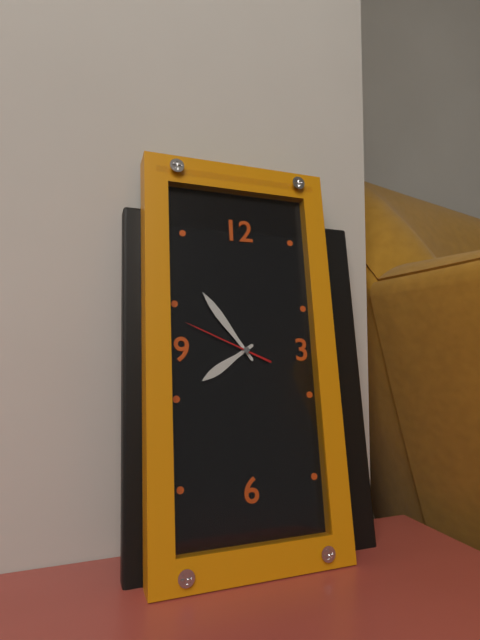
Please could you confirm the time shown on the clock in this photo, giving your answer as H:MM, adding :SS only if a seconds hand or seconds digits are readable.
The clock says 7:54:49
